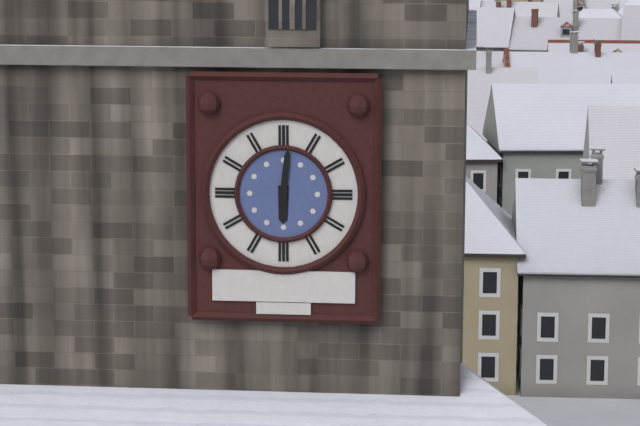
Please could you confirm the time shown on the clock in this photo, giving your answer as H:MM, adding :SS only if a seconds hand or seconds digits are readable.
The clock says 6:01
